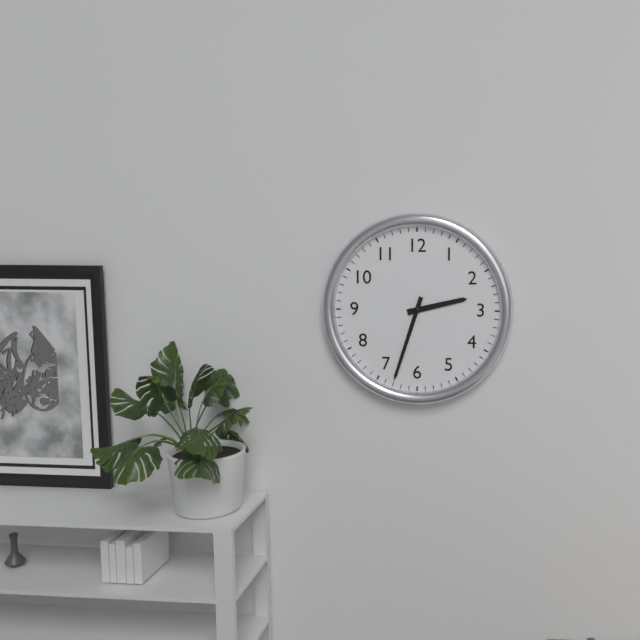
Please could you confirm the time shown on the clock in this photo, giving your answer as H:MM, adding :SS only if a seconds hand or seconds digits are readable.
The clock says 2:33
